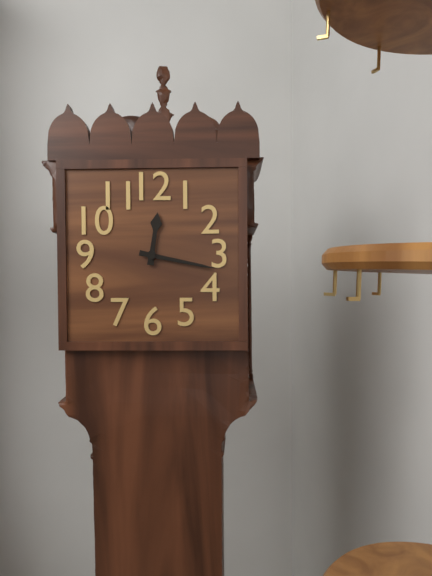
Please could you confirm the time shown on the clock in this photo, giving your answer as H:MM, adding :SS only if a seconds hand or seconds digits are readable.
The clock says 12:17
